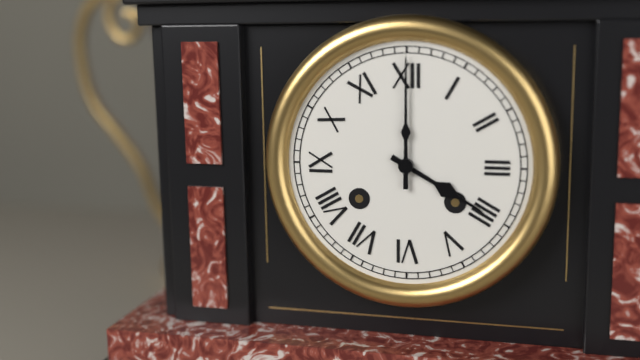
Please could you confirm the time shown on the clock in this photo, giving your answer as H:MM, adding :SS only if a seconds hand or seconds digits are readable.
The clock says 4:00
